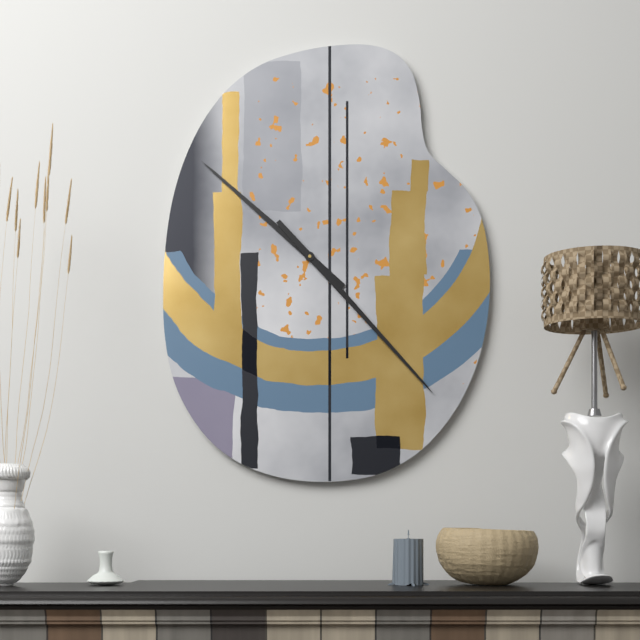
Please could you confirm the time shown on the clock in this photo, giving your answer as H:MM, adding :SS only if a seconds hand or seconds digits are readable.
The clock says 10:23
